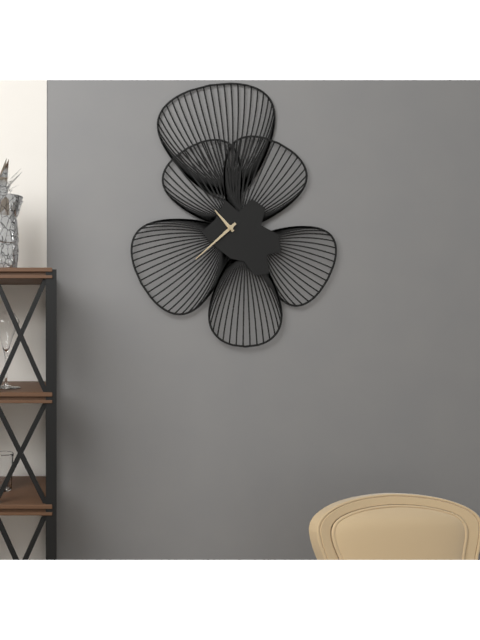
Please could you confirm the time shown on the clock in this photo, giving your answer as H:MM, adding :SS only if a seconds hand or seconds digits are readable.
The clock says 10:38
